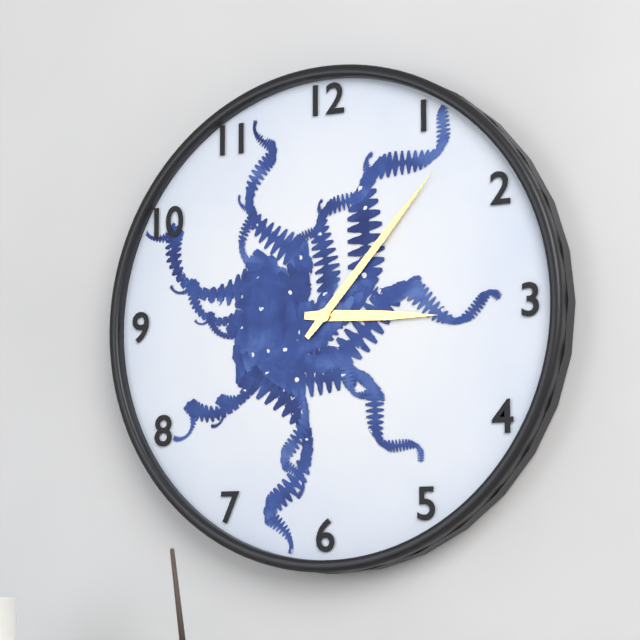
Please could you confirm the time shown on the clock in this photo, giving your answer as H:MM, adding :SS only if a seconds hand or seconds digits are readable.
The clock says 3:07
